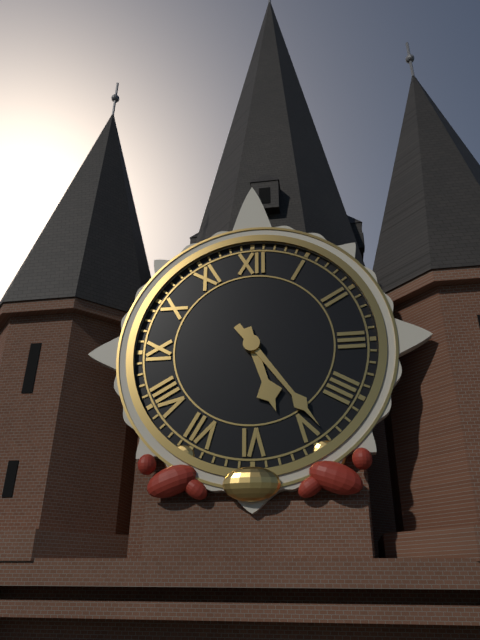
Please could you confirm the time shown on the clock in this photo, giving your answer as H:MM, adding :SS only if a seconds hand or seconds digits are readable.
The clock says 5:24
